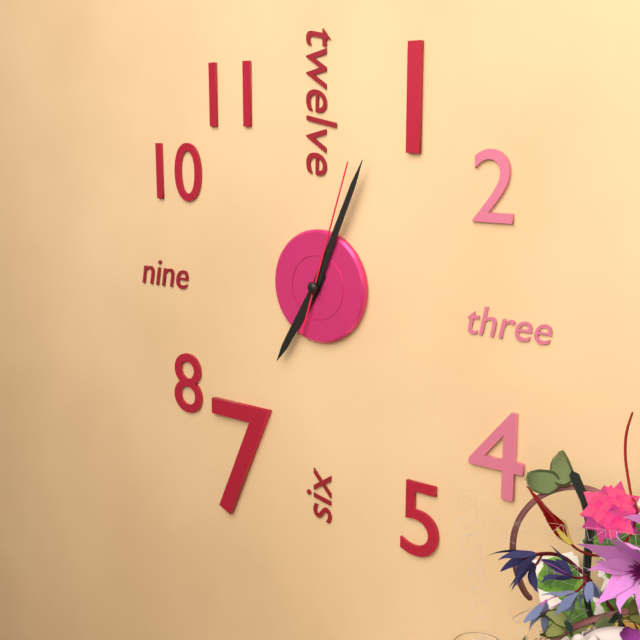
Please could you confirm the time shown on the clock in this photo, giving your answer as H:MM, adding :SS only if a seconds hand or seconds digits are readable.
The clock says 7:04:03
